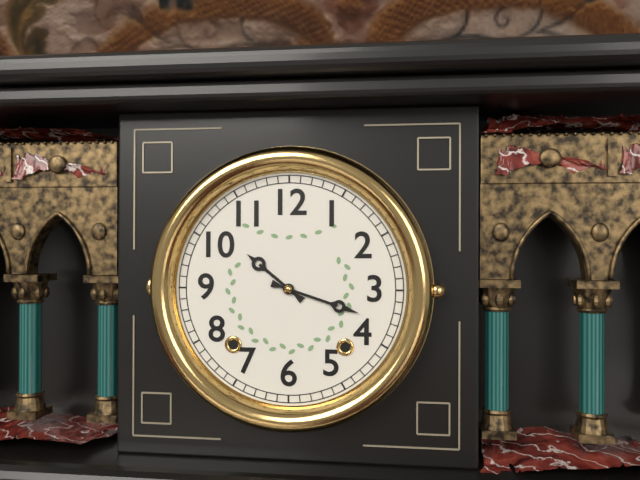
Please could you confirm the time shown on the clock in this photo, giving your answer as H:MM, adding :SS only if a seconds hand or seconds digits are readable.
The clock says 10:18
